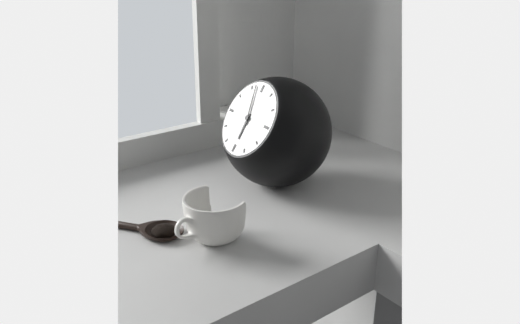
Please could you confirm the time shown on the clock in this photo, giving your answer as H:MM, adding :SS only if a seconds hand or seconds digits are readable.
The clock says 5:57
